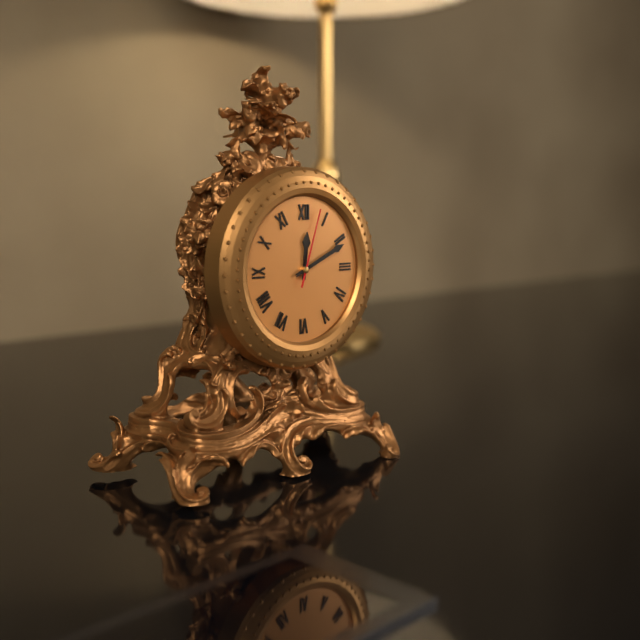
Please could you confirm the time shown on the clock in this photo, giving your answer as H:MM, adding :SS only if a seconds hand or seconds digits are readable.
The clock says 12:11:03
